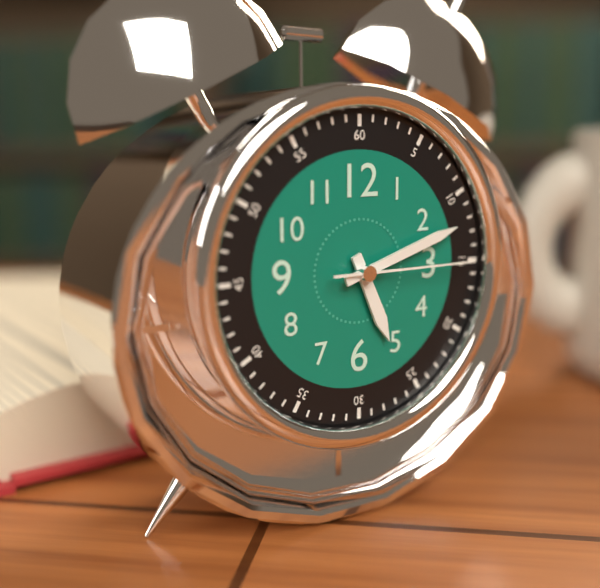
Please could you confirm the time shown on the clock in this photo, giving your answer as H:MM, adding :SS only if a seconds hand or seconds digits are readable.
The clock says 5:12:15
